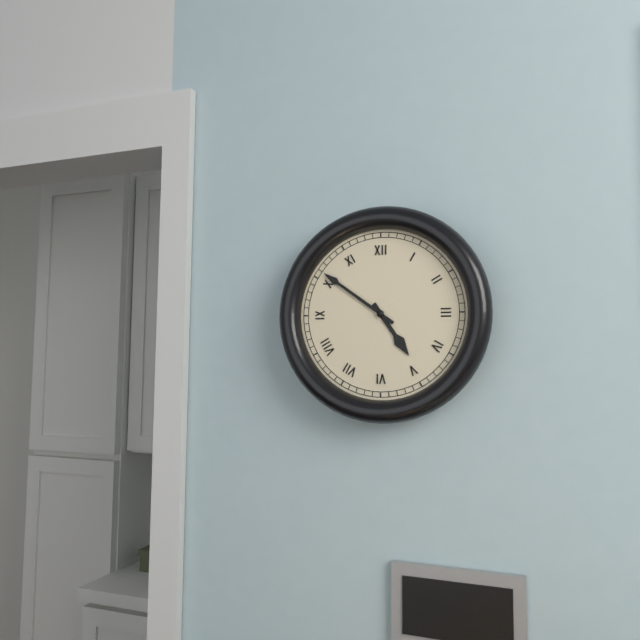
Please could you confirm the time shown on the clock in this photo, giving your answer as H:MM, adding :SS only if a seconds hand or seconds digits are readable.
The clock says 4:51
